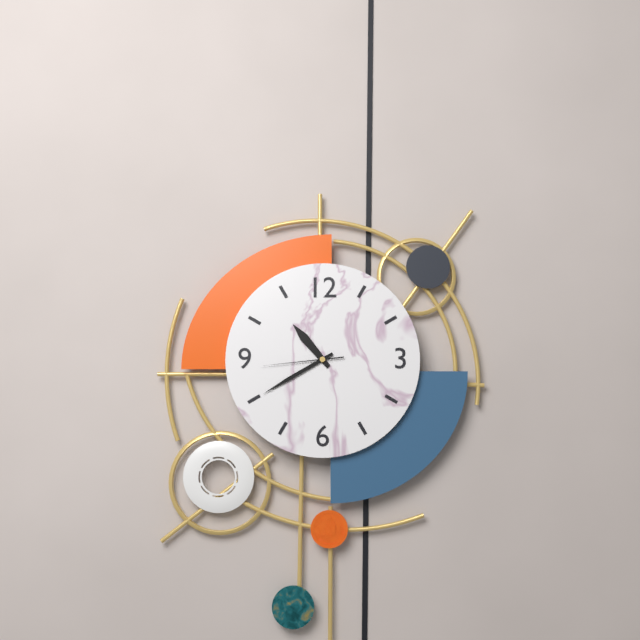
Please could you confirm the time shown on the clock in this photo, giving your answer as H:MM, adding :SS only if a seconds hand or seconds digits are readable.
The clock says 10:40:44
